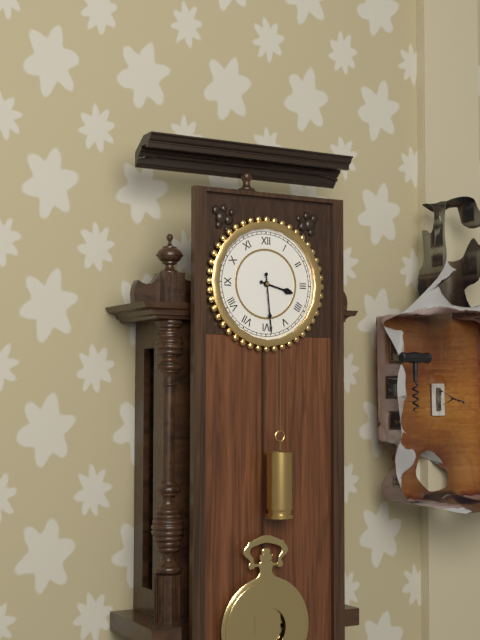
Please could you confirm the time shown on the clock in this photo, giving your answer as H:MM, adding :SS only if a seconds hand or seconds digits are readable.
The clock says 3:29
